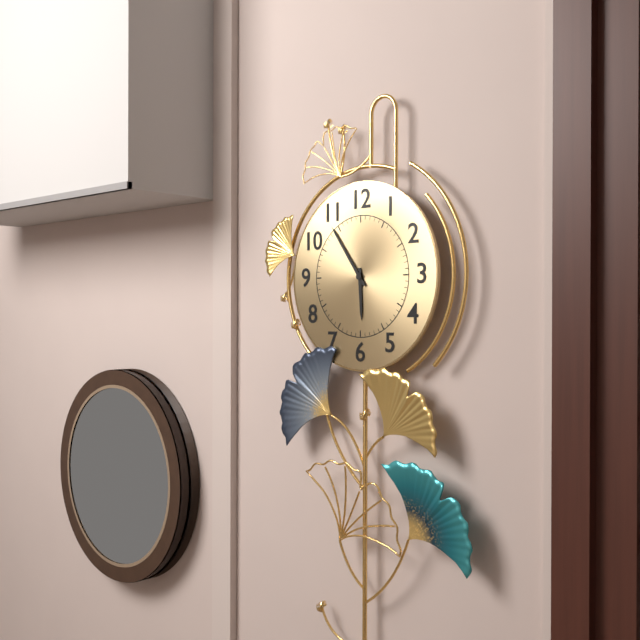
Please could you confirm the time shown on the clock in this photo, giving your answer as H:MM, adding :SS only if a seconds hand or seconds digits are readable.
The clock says 5:54
